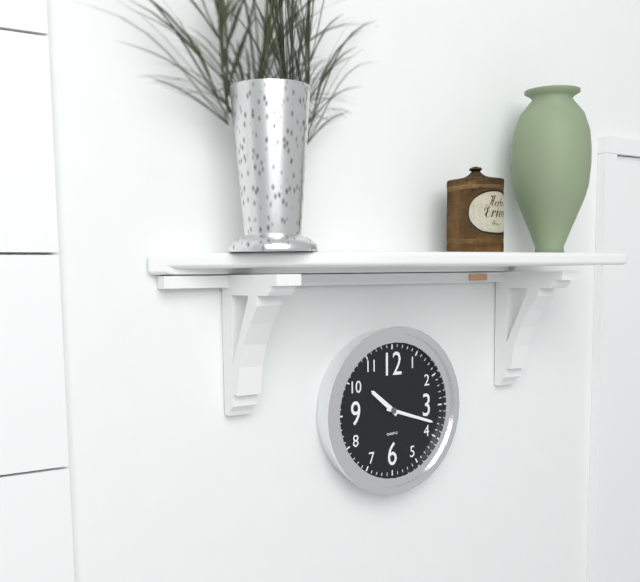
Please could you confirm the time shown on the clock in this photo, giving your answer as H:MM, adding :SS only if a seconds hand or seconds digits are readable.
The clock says 10:18
